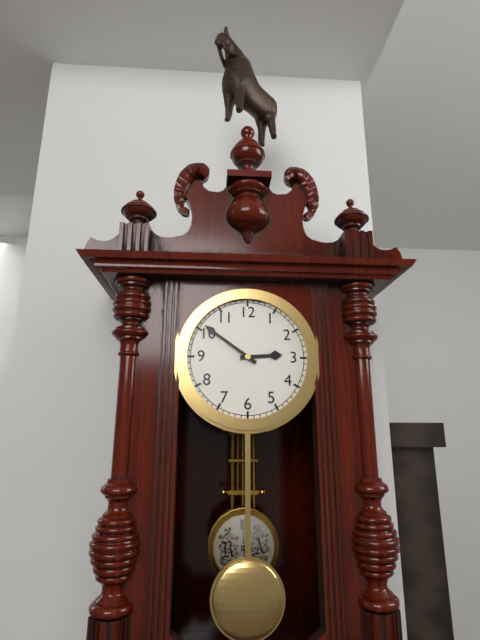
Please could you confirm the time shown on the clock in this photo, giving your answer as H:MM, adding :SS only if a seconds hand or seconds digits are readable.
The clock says 2:51
